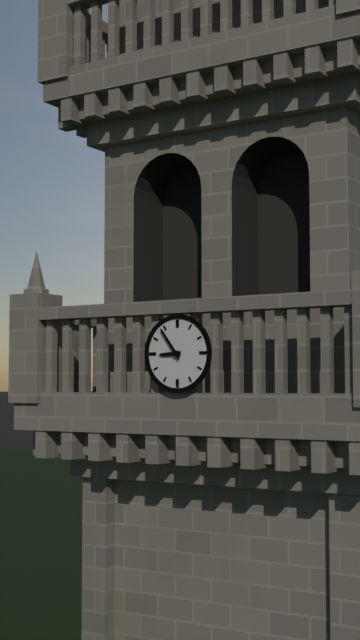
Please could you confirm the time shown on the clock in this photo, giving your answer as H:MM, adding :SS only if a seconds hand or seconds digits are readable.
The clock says 8:54
